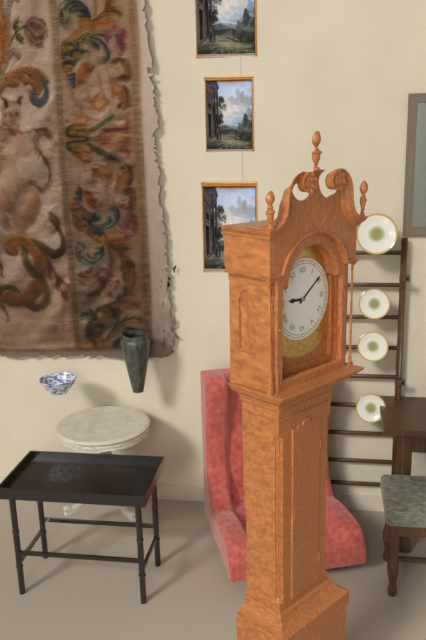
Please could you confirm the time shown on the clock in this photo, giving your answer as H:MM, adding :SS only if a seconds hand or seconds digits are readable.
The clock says 9:09
